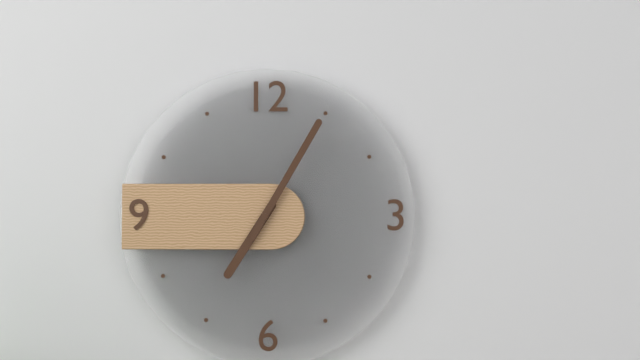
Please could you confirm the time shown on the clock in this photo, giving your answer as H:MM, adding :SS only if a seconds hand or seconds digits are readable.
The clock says 7:05
